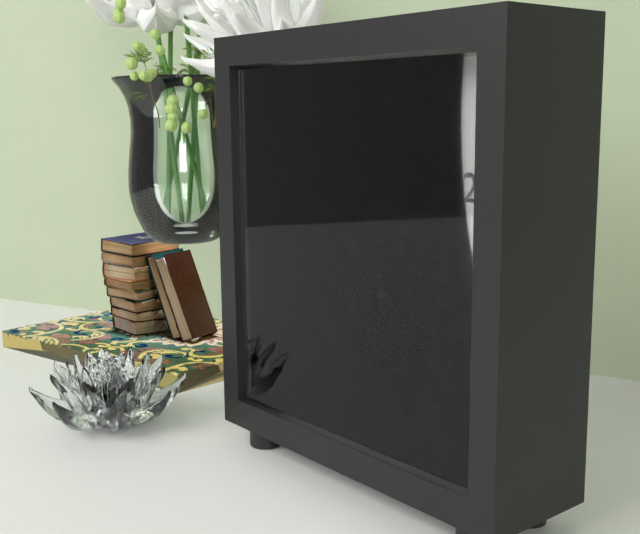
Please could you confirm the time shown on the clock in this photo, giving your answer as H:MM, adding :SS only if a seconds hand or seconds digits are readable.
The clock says 3:59
